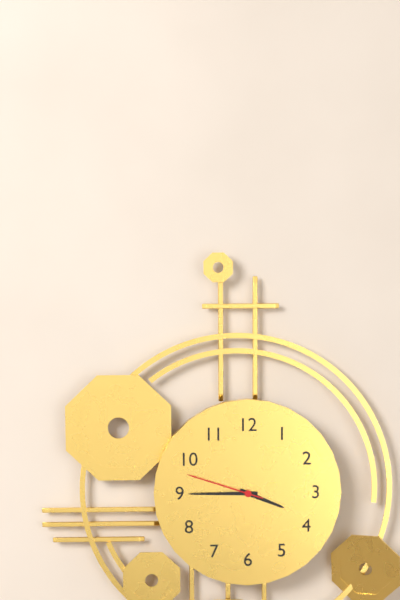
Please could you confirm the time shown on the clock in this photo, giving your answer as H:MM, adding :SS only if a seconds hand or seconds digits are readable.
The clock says 3:45:48
